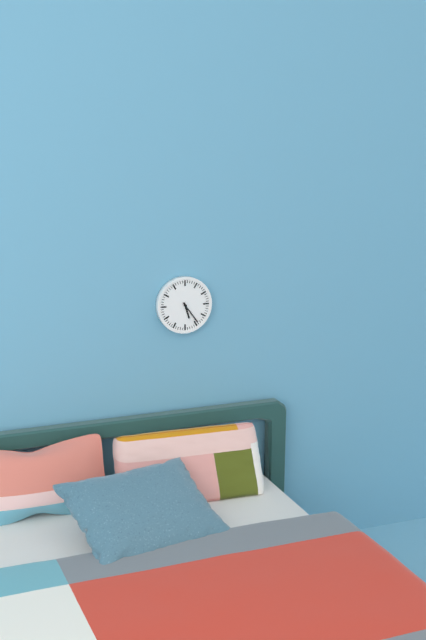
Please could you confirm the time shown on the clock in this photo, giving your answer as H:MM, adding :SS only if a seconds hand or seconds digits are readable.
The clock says 5:24
